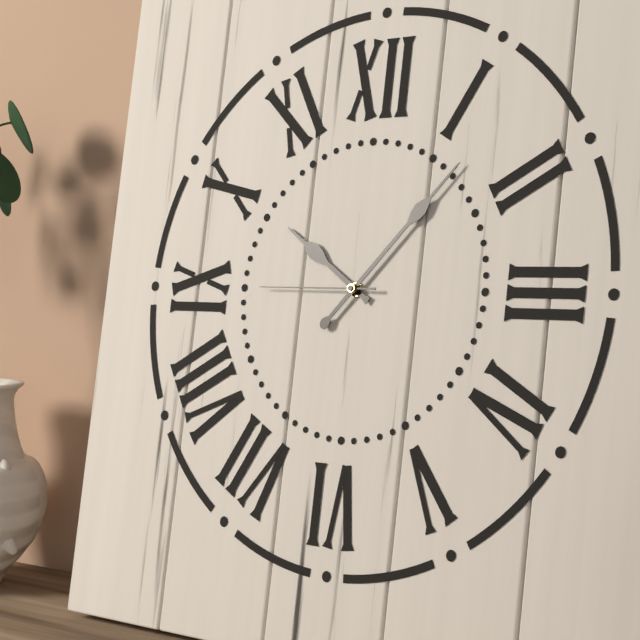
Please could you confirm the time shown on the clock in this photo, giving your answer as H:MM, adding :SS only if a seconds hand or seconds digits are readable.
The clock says 10:07:45
